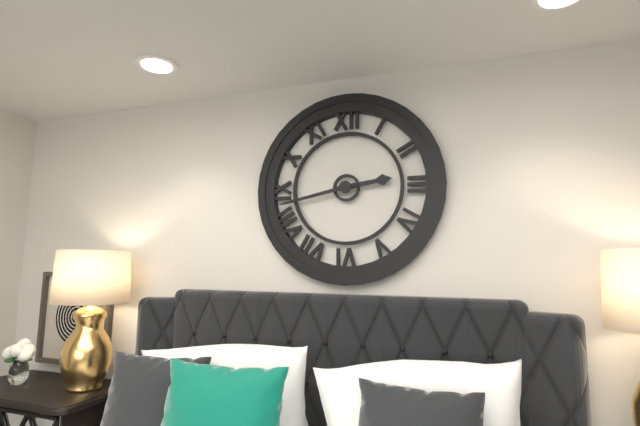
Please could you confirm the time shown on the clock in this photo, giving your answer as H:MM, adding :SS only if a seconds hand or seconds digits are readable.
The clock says 2:43
